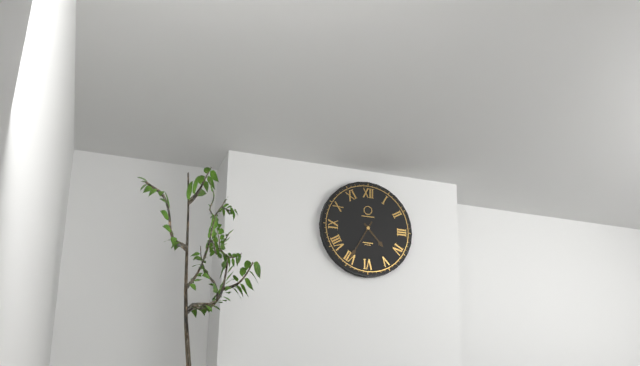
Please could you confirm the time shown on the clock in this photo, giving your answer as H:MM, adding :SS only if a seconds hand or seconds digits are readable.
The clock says 4:35
